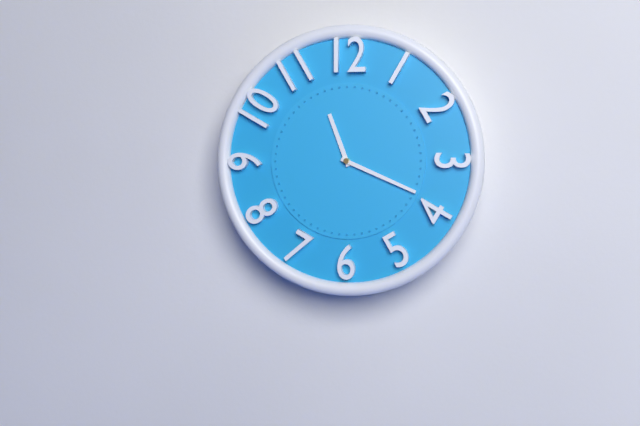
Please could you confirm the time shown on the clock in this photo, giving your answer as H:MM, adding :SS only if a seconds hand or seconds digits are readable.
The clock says 11:19
